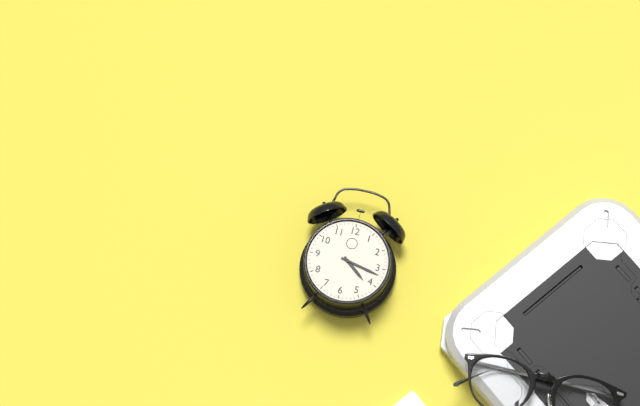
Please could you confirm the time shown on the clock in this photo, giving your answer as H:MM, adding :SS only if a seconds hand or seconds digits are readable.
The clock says 4:17
